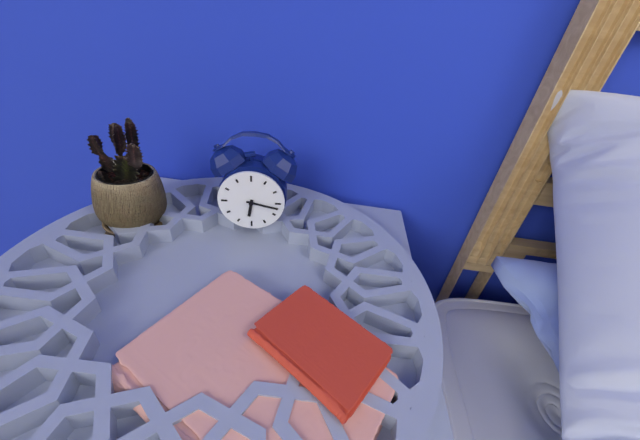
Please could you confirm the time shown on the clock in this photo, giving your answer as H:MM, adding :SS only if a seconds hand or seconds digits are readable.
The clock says 6:17
